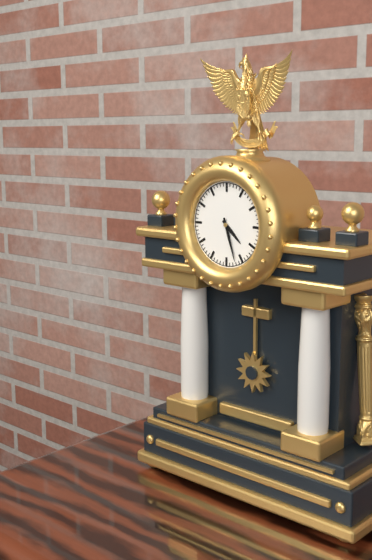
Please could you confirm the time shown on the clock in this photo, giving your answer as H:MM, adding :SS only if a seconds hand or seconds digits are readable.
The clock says 4:27
